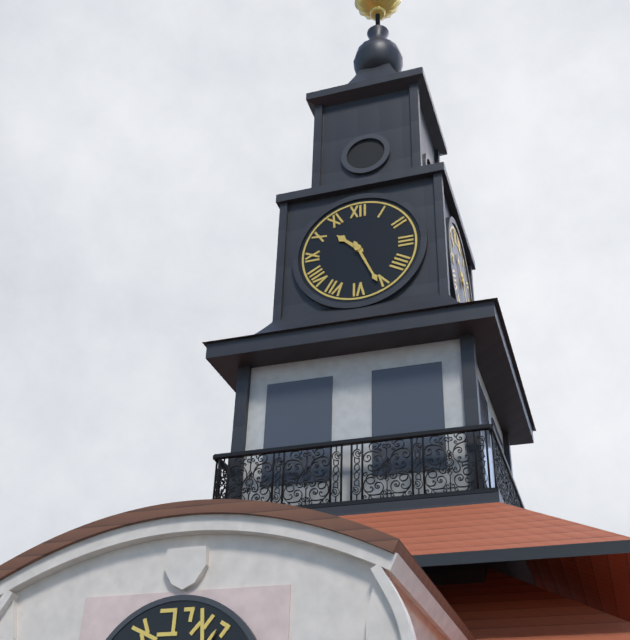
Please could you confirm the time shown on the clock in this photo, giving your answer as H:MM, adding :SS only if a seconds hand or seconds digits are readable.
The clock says 10:26
